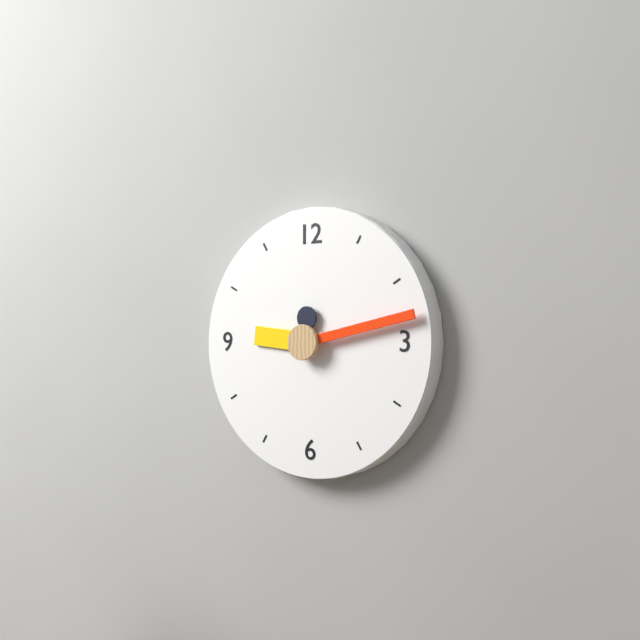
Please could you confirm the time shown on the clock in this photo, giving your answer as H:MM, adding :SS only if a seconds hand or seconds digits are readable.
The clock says 9:13
